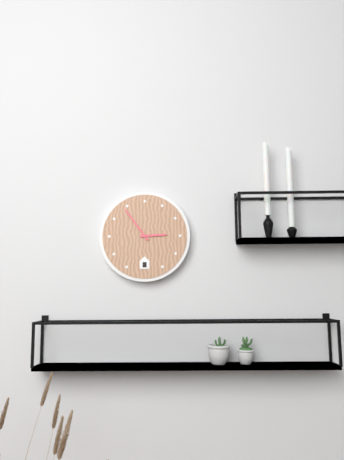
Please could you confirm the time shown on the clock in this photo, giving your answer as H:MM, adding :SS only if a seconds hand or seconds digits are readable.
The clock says 2:54
